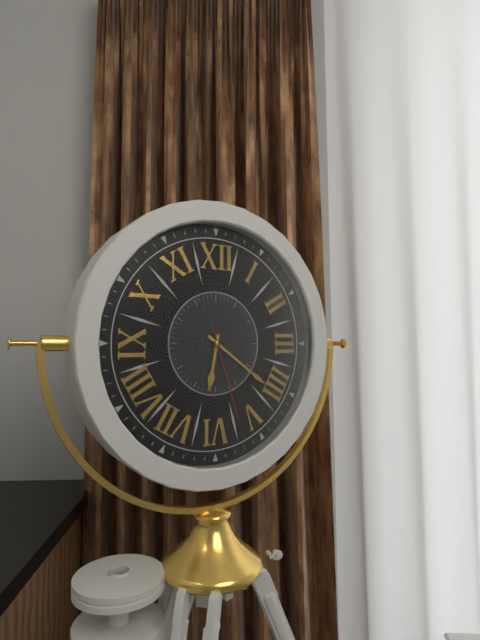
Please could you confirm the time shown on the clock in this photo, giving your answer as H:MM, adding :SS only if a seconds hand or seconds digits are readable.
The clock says 6:21:27
